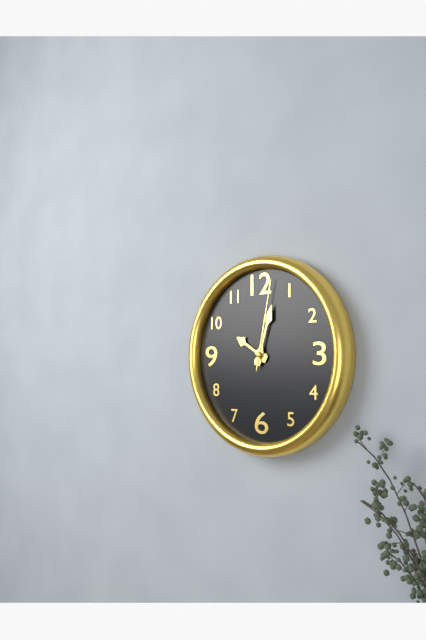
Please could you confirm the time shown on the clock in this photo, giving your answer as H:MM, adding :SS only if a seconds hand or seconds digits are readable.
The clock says 10:03:02
